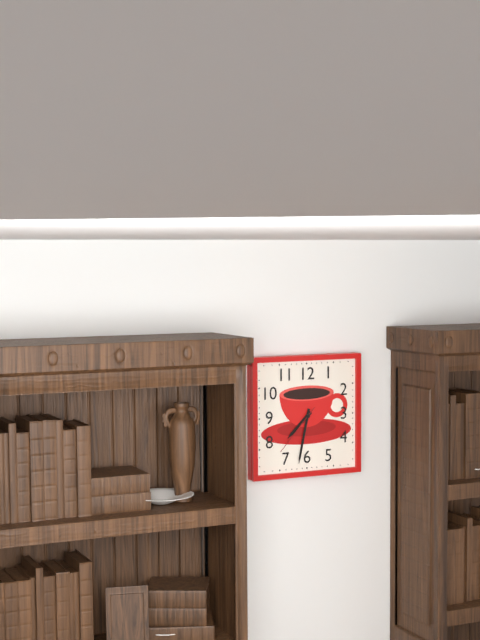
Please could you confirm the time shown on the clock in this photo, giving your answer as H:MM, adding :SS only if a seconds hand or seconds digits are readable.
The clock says 7:32:37
